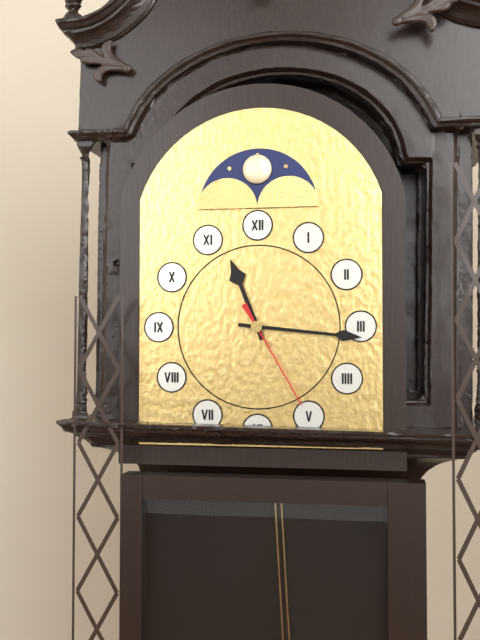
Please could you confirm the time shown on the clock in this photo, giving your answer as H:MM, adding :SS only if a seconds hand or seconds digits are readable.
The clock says 11:16:25
